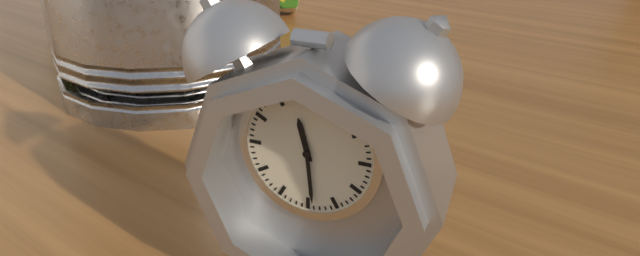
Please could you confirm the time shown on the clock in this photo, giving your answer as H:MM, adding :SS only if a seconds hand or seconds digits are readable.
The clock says 11:29
